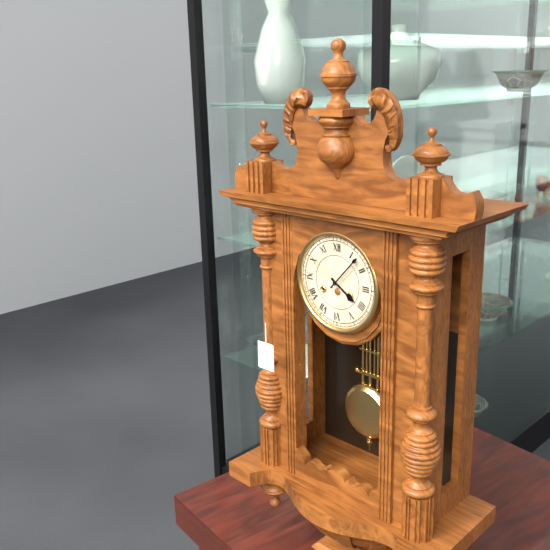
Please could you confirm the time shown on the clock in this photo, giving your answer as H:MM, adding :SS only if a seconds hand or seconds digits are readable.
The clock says 4:07
